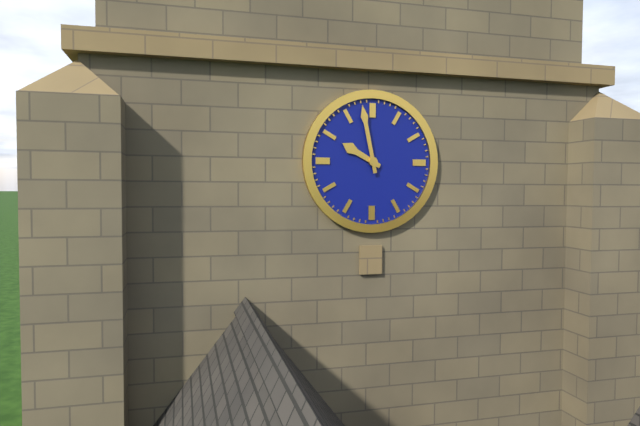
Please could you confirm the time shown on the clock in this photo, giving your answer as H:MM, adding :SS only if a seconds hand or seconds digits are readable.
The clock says 9:58
